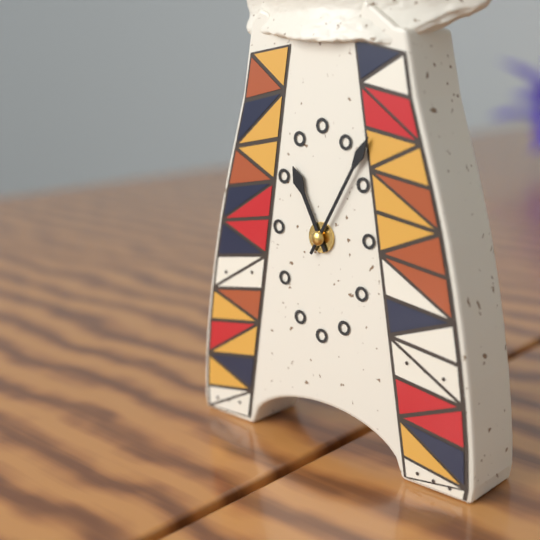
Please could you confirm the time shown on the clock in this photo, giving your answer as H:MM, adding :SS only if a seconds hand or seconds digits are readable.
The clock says 11:05
